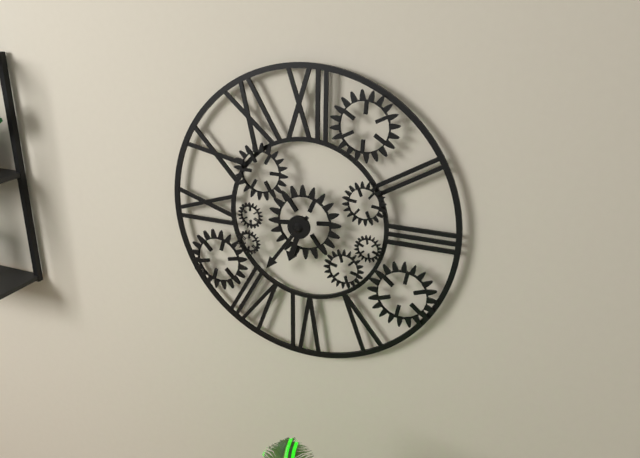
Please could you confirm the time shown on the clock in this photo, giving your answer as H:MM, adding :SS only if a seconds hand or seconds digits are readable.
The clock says 6:36
